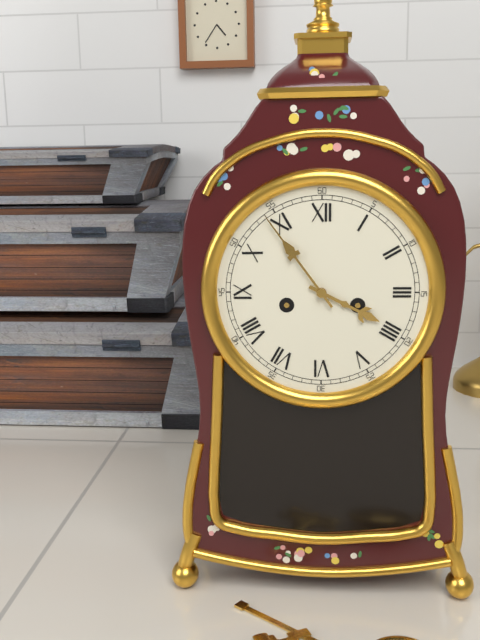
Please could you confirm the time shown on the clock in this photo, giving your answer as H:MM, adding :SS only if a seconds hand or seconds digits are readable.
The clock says 3:54
